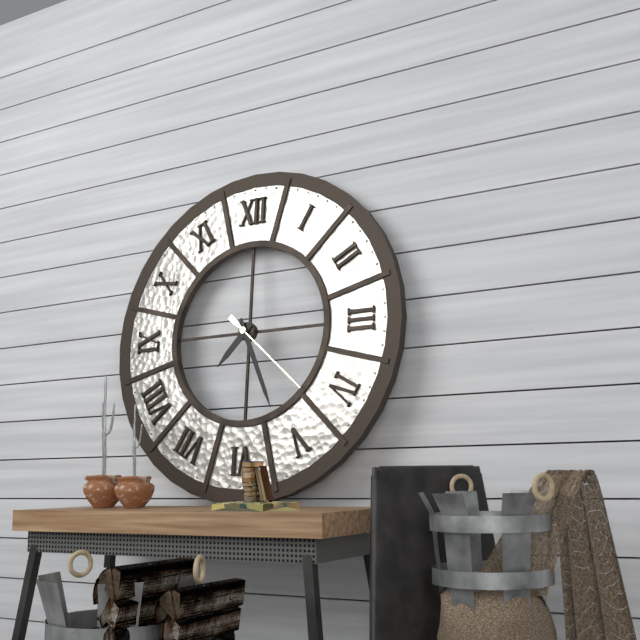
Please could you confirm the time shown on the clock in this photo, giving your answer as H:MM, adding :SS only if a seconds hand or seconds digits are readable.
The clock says 7:26:22
